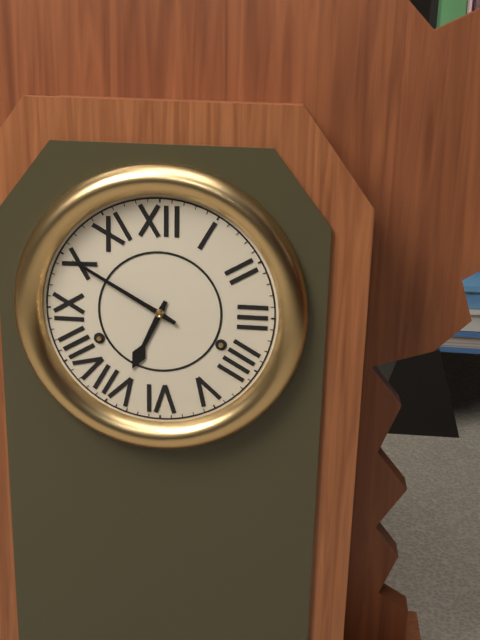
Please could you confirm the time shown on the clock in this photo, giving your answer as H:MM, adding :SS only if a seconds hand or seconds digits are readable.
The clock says 6:50
